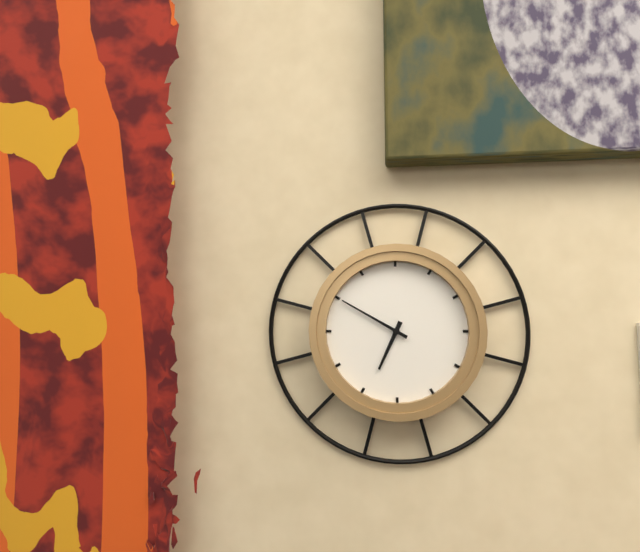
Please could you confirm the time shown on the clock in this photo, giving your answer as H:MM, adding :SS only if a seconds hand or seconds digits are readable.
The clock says 6:50
